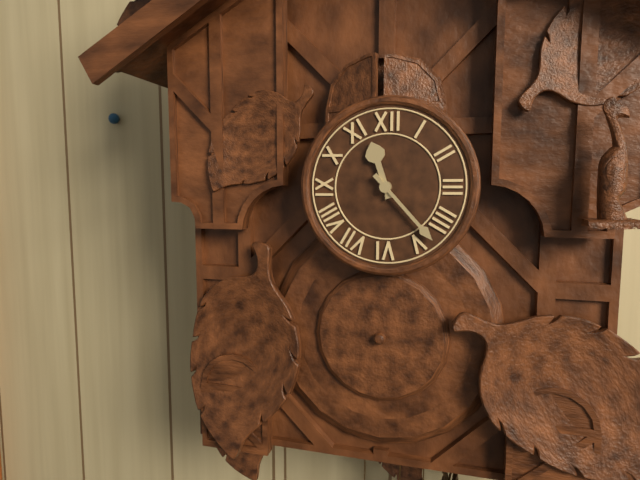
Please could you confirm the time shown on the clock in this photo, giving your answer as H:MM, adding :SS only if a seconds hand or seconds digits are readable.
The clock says 11:23
